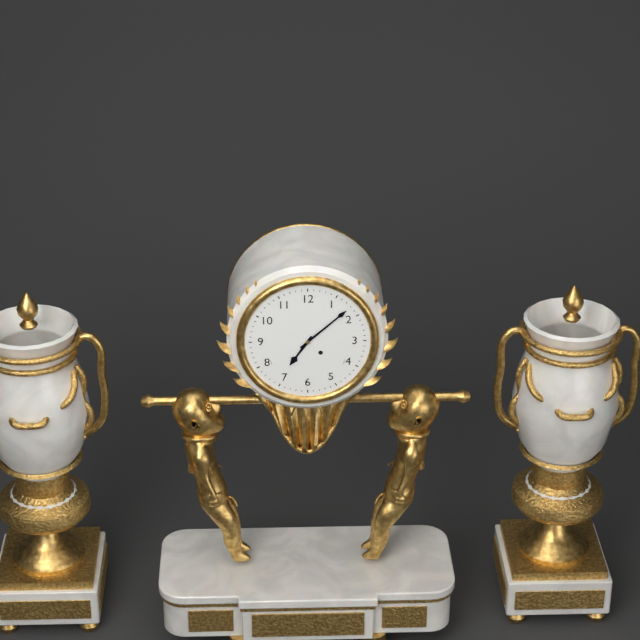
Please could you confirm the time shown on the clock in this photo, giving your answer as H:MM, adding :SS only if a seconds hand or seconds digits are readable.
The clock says 7:08
